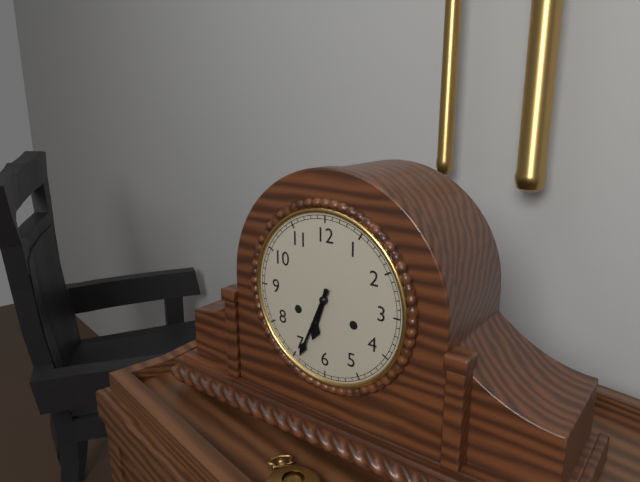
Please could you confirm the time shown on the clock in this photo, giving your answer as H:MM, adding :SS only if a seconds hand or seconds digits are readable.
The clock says 6:34
